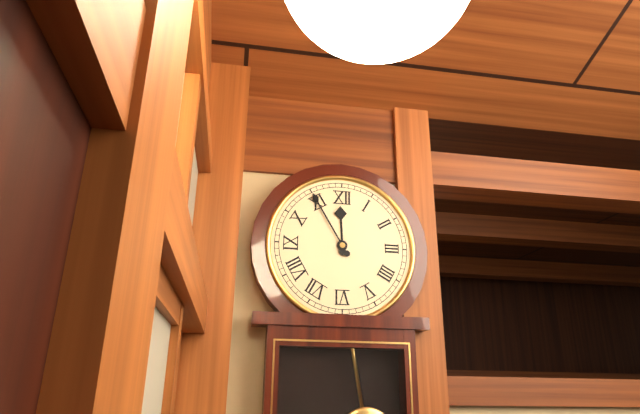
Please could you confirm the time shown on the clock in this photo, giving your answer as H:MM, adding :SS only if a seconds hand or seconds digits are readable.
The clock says 11:55
